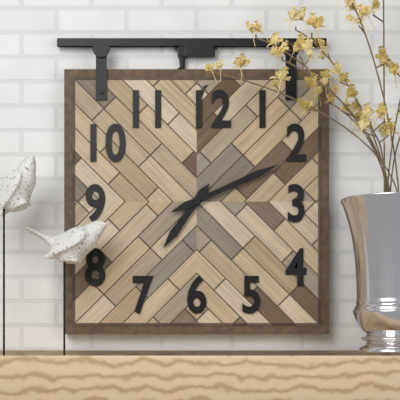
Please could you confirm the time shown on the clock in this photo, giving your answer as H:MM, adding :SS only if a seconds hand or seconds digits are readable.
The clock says 7:11
